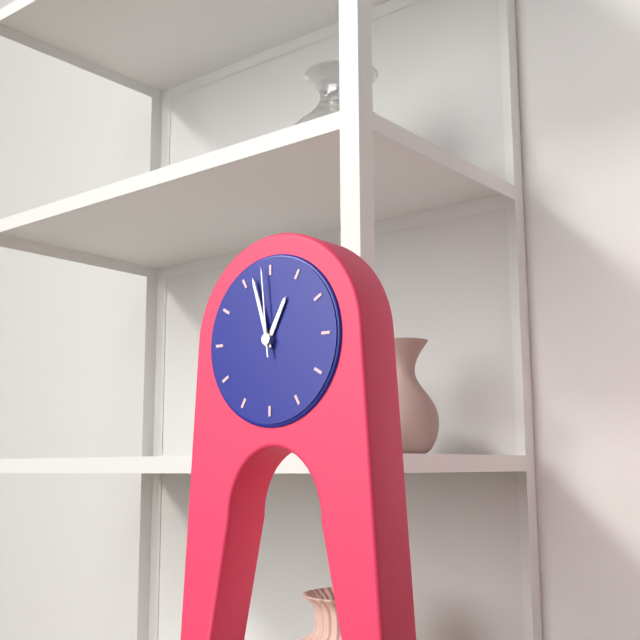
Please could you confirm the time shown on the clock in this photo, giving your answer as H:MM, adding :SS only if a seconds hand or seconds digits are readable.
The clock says 12:57:59
